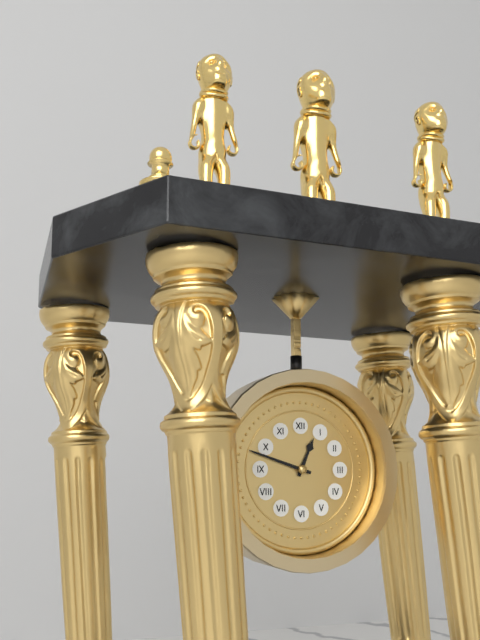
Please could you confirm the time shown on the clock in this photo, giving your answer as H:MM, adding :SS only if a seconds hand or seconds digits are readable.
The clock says 12:48
